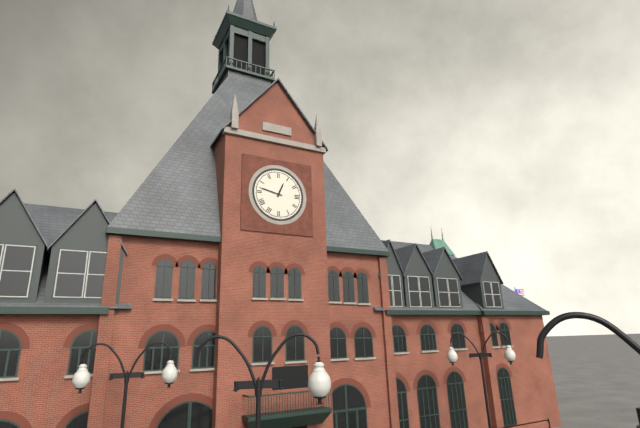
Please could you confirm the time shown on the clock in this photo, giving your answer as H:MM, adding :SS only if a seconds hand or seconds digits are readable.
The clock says 12:47
